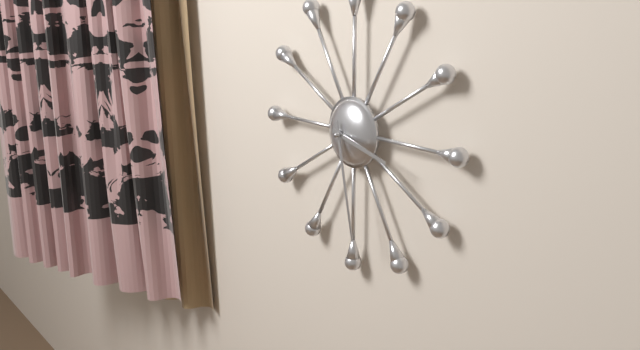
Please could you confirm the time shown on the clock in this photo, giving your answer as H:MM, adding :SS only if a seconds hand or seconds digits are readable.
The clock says 3:28
